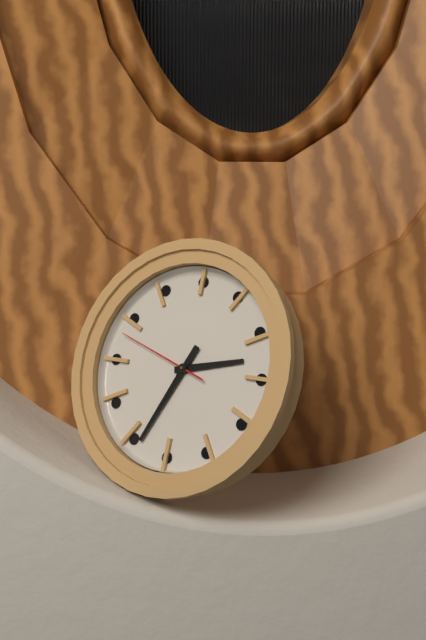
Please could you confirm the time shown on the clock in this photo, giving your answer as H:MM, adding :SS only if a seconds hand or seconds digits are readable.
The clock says 2:34:48
